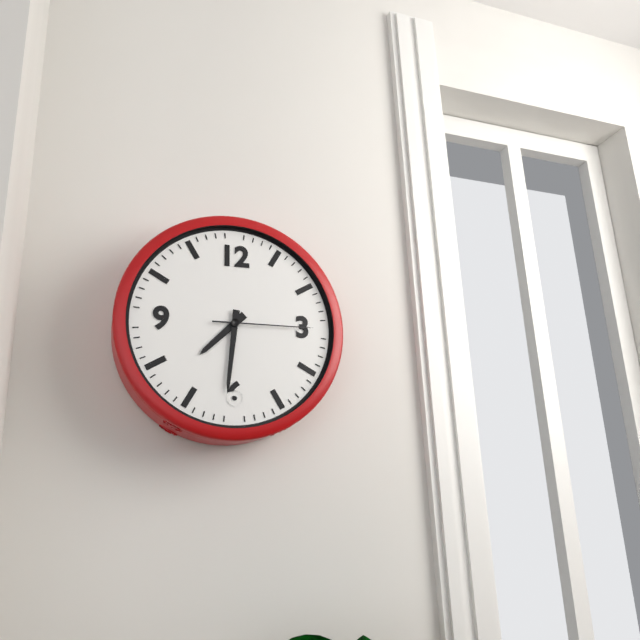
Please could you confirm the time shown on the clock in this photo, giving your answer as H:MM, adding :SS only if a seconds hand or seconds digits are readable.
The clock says 7:31:15
